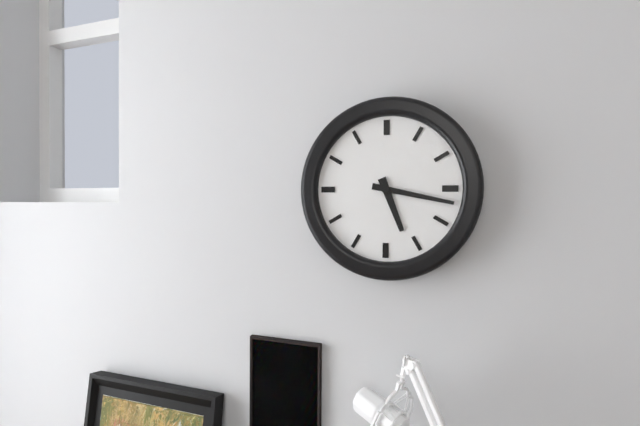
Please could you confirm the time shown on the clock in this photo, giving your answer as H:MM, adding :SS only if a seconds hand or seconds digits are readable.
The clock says 5:17
